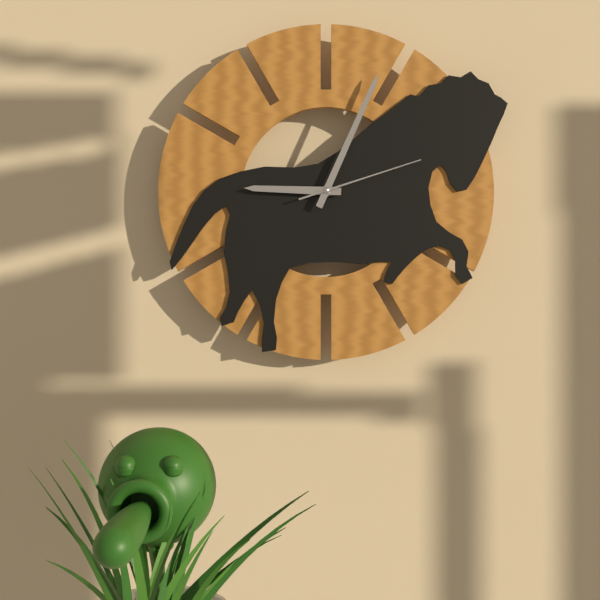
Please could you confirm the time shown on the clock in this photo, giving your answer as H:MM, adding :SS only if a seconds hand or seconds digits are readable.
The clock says 9:04:12
